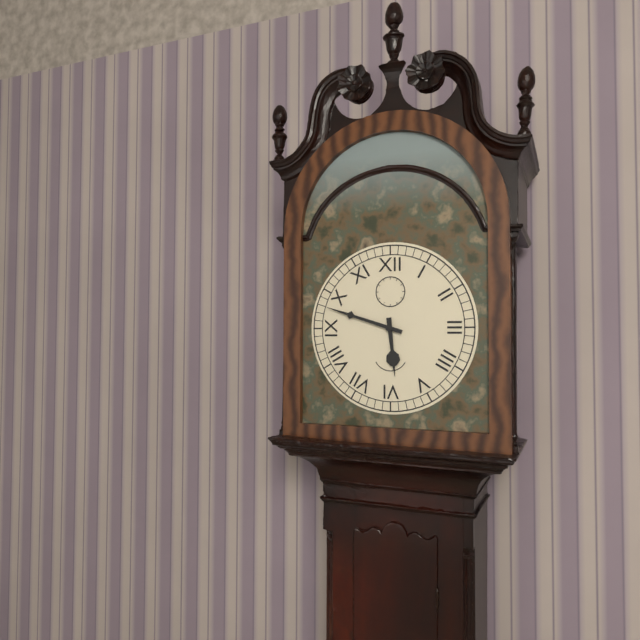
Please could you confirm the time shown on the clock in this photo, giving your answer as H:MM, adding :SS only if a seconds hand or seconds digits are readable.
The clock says 5:48
